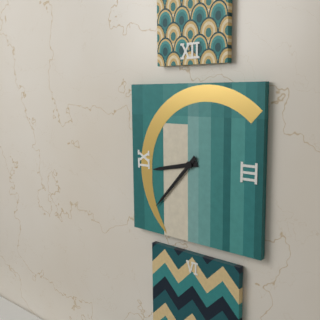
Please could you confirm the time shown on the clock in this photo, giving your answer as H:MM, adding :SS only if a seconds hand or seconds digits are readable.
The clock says 8:37
